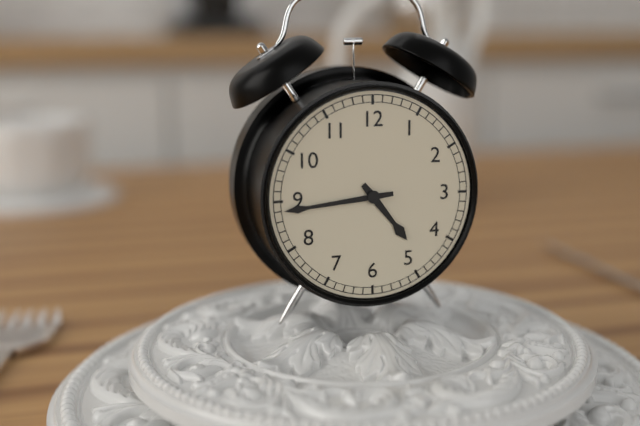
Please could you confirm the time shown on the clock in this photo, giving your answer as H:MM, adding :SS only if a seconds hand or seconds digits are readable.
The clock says 4:44
